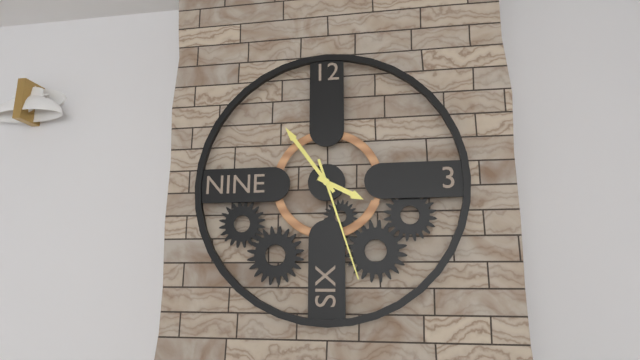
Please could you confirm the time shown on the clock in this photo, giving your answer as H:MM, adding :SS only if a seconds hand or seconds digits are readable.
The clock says 3:54:27
